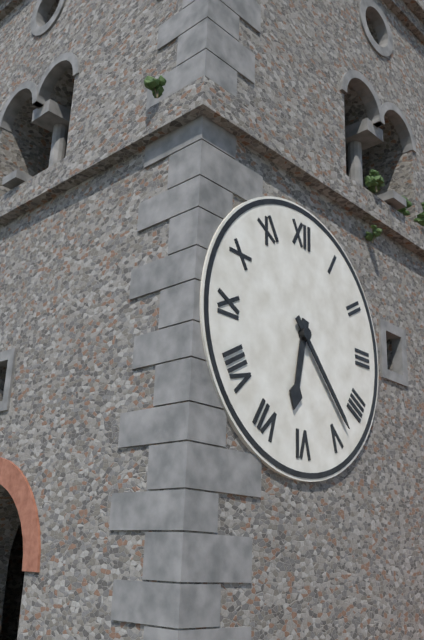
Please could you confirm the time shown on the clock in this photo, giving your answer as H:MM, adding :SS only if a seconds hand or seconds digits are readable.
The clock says 6:23
